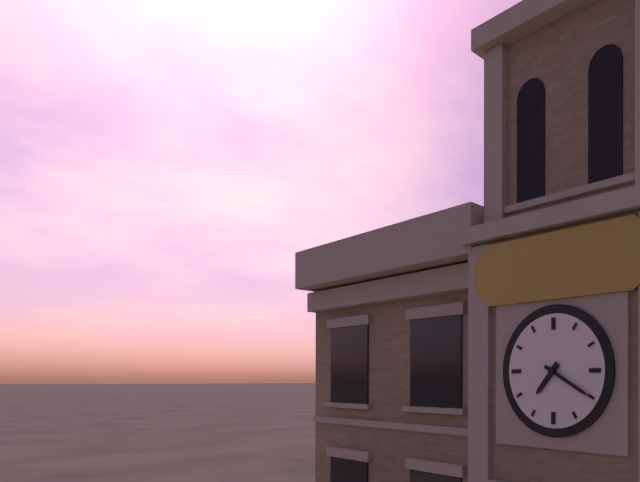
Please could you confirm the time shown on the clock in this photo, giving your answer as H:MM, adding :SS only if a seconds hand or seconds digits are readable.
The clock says 7:20
